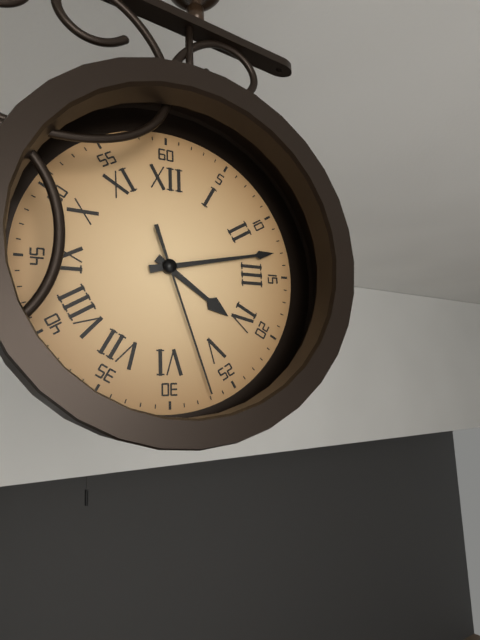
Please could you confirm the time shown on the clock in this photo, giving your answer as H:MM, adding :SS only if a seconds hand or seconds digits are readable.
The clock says 4:13:27
